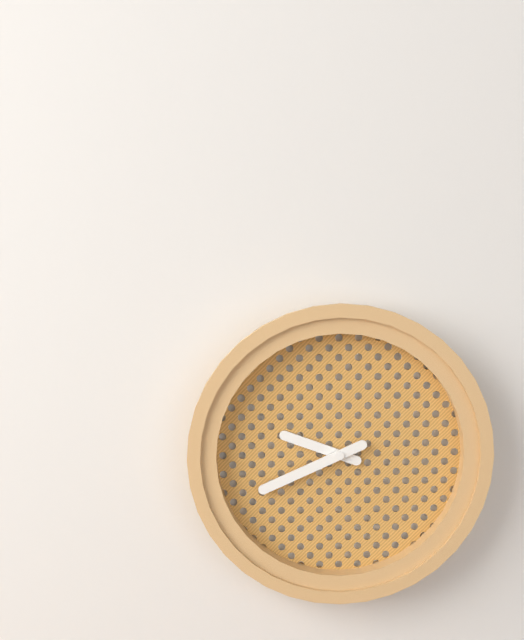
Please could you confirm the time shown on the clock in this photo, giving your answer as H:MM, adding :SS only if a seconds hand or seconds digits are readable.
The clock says 9:41
